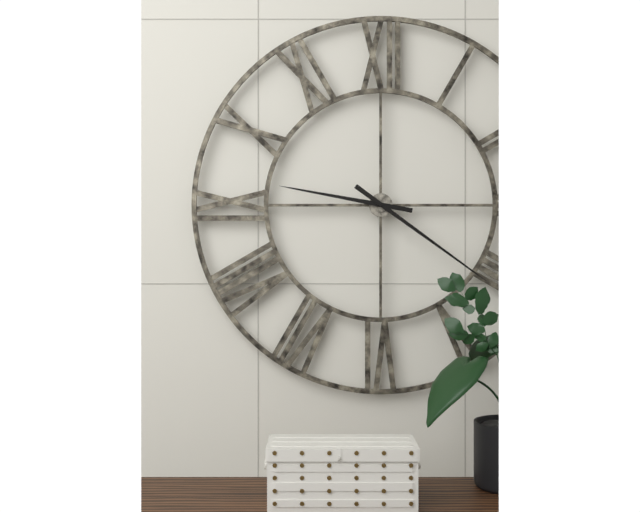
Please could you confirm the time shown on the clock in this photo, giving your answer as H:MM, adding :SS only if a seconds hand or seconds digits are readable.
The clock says 9:21
